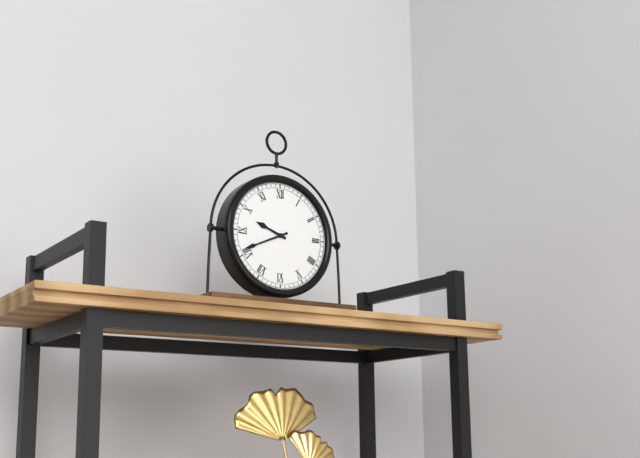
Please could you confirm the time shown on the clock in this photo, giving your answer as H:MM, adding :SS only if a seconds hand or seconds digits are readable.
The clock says 9:41
